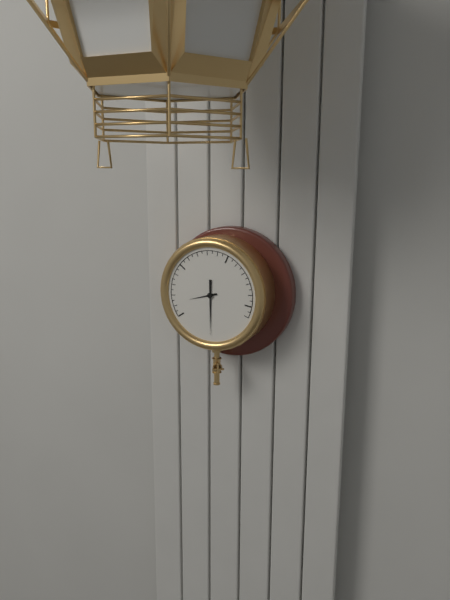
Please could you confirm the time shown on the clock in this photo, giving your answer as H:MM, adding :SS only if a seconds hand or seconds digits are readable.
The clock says 8:30
